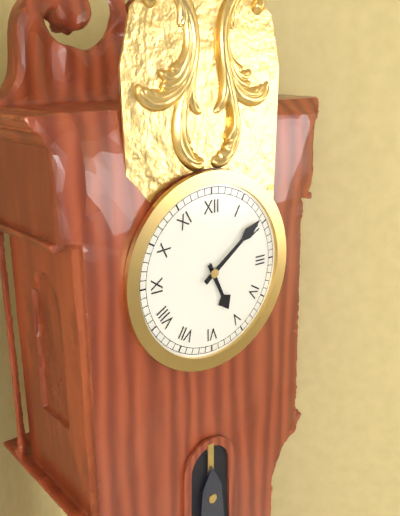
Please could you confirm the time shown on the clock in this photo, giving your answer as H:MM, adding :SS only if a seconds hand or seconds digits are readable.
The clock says 5:09
